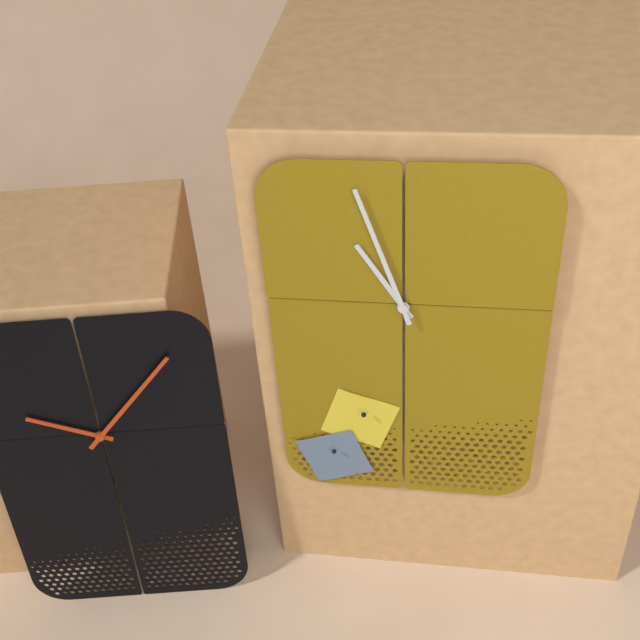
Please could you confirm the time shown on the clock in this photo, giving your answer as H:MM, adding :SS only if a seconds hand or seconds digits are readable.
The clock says 10:57
